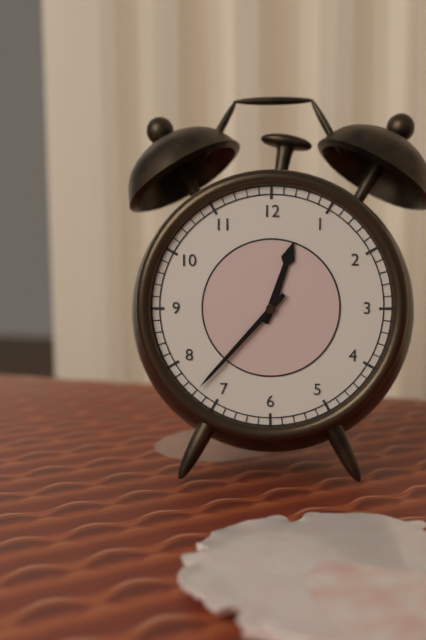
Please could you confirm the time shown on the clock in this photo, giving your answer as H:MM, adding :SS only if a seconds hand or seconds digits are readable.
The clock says 12:37
